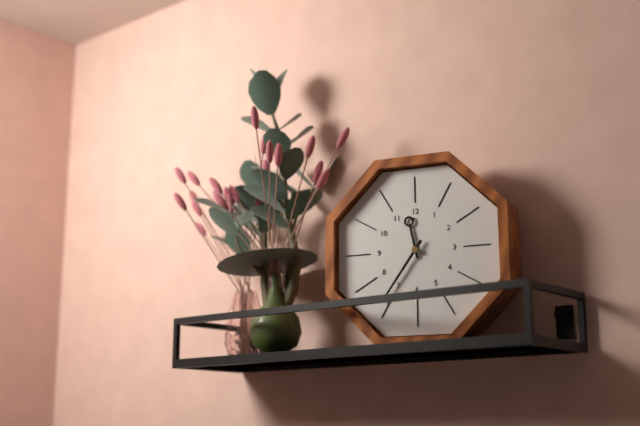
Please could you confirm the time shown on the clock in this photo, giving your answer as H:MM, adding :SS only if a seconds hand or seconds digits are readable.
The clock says 11:36
